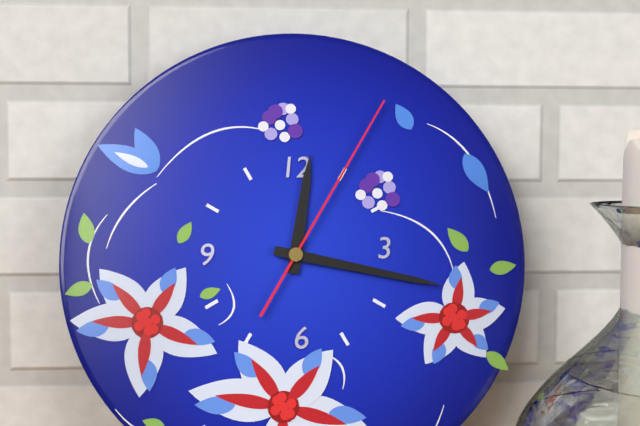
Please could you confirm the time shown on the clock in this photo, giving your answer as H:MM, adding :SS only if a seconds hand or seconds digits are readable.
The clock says 12:17:05
